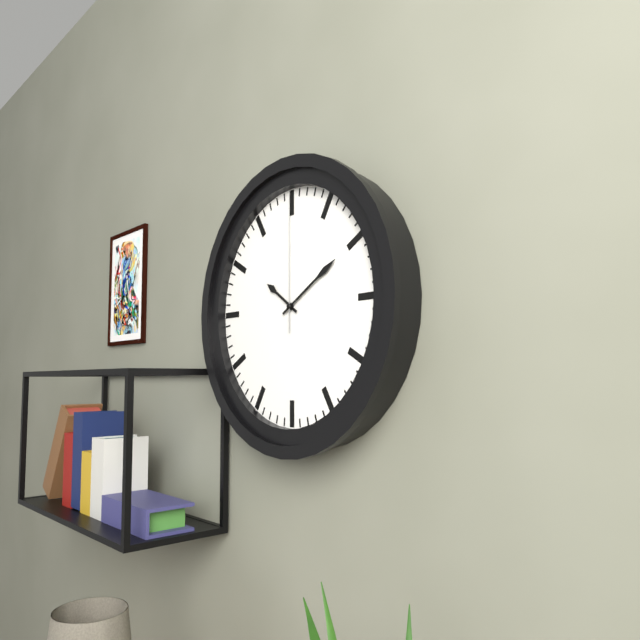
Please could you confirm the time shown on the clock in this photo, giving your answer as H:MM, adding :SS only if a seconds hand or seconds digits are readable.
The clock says 10:10:00
